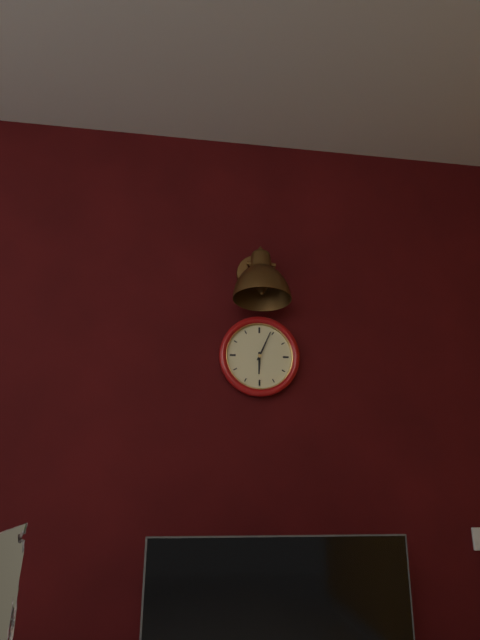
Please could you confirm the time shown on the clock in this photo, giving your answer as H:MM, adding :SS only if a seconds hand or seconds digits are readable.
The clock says 6:04
